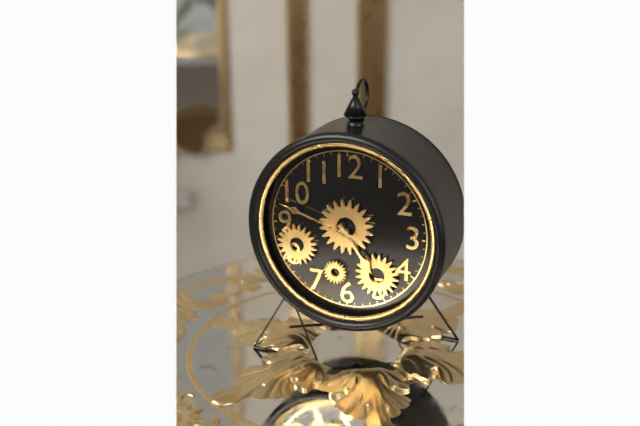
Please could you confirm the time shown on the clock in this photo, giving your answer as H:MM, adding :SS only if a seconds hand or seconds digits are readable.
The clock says 4:48
